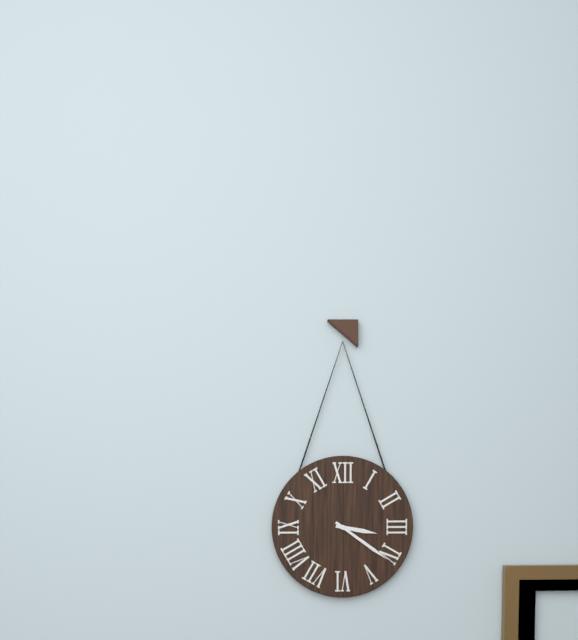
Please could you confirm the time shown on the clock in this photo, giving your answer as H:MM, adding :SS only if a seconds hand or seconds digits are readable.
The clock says 3:21
